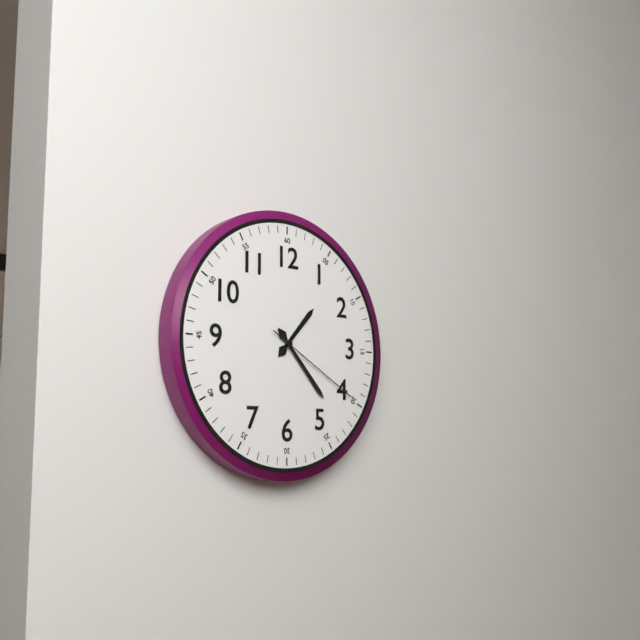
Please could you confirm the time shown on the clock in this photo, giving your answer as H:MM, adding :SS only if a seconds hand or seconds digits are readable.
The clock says 1:23:20
